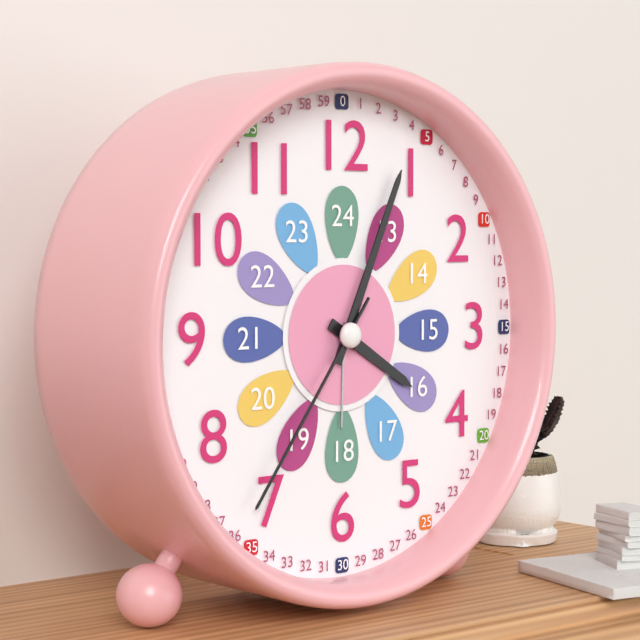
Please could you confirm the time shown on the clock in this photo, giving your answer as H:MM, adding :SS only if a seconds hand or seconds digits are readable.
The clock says 4:04:36
